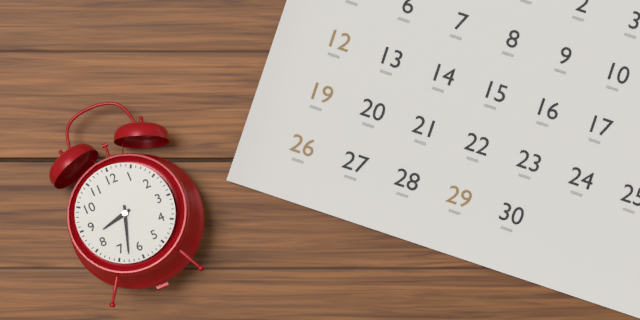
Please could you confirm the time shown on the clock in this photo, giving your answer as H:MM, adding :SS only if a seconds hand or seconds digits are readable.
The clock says 8:33
